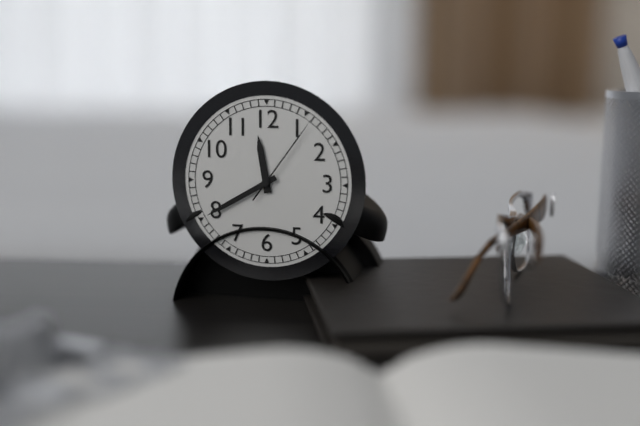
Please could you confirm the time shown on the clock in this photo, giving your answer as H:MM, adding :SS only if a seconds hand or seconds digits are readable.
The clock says 11:40:06
